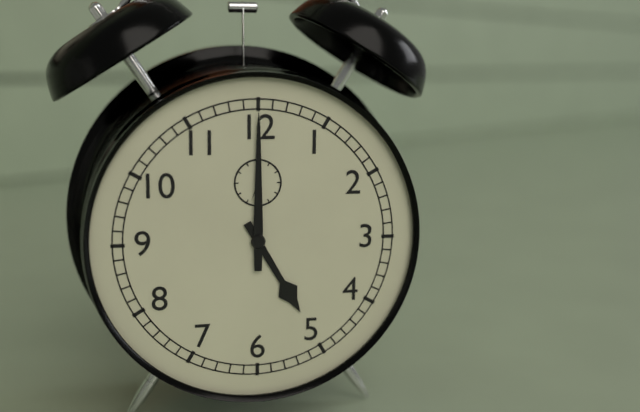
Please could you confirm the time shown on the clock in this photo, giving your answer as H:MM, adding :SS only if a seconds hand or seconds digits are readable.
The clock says 5:00
